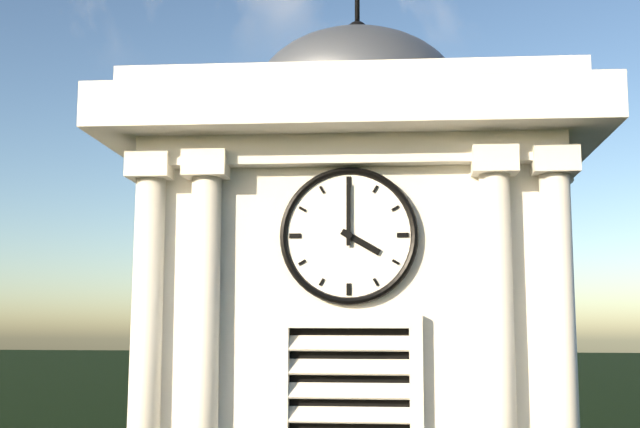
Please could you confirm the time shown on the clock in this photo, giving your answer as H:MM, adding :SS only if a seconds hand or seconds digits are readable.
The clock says 4:00
